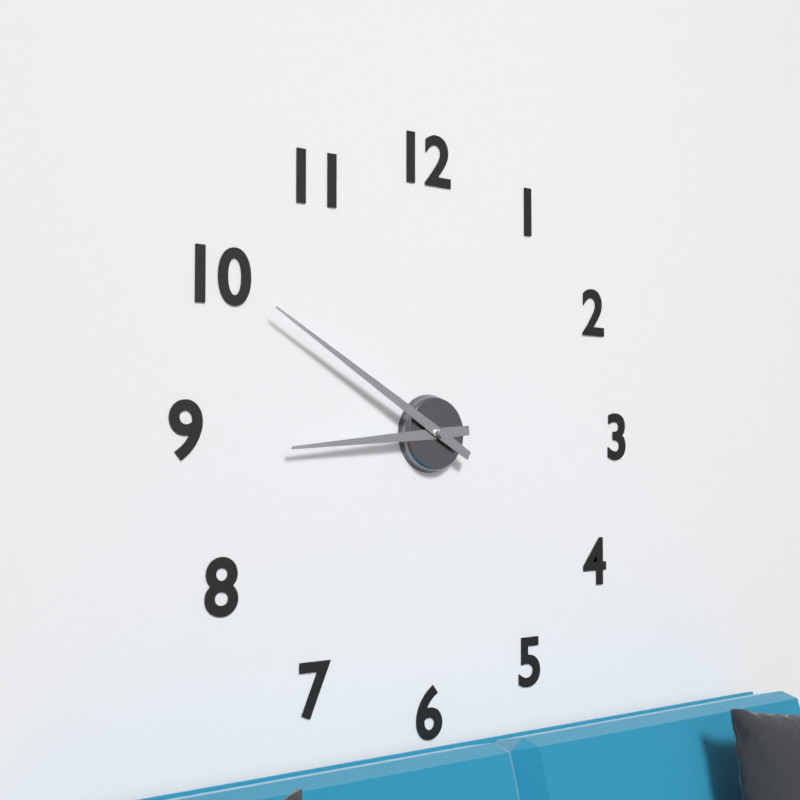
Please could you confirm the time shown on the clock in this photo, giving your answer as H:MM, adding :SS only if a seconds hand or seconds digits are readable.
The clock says 8:50
